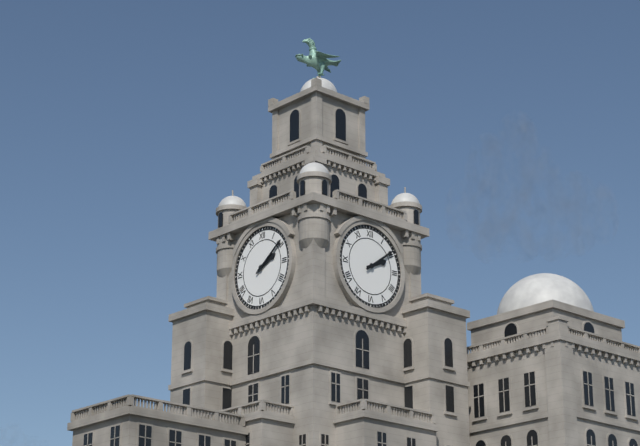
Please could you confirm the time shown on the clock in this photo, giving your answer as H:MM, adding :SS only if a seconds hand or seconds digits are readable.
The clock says 2:09
